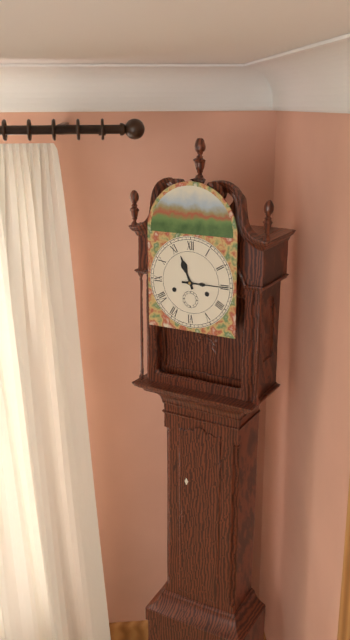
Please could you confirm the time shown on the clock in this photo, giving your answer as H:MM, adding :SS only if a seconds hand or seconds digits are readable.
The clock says 11:15
